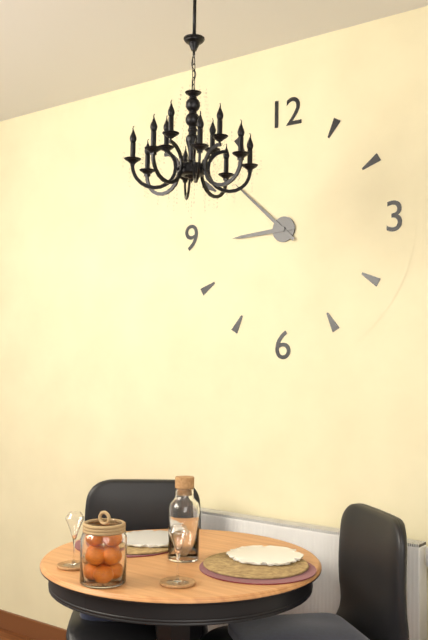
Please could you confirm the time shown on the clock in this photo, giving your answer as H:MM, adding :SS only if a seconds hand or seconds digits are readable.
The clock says 8:52
